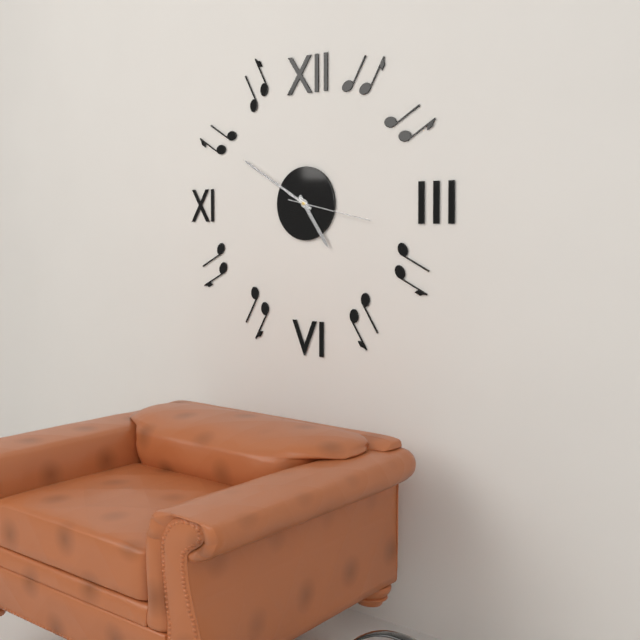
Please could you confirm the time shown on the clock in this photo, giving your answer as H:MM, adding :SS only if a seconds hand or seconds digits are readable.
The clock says 4:50:17
